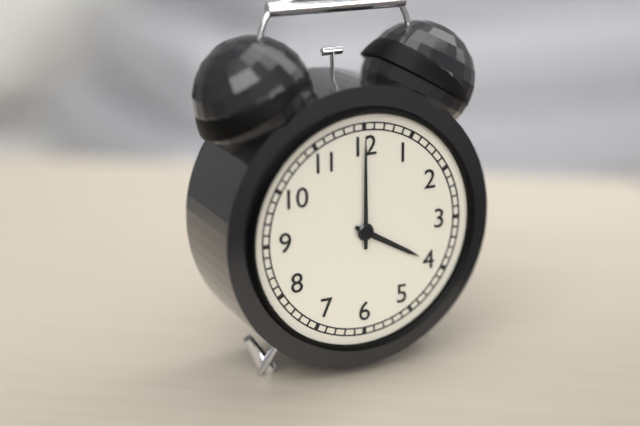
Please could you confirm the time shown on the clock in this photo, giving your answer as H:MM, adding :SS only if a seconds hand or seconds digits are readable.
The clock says 4:00
